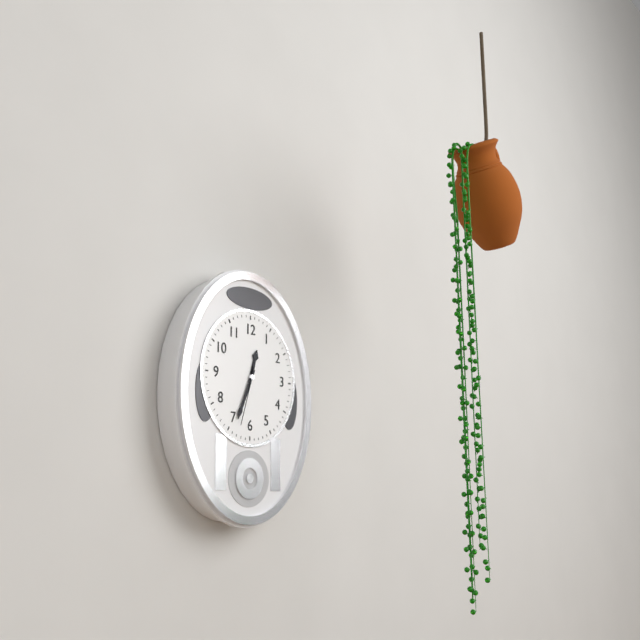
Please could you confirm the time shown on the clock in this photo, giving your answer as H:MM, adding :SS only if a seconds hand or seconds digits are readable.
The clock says 12:34:33
